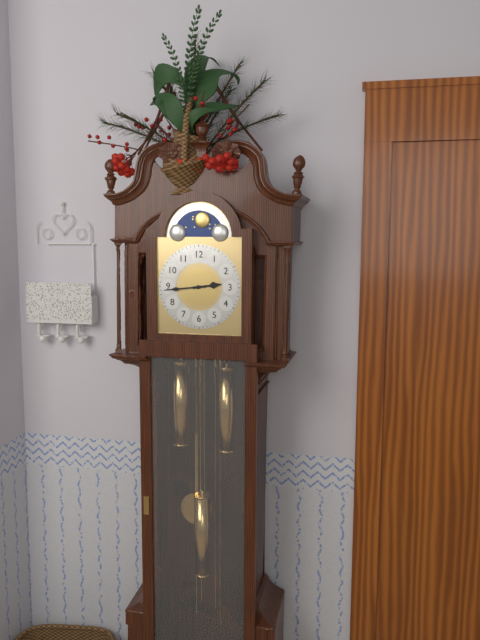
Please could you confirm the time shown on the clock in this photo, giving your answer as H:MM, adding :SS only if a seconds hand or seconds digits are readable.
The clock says 2:44
